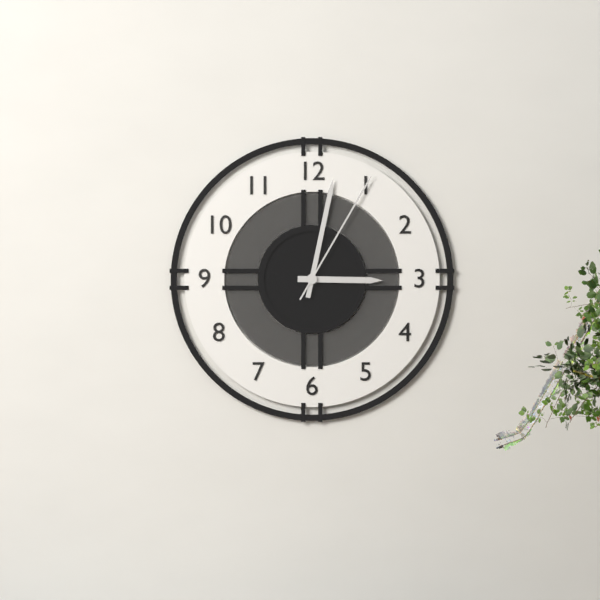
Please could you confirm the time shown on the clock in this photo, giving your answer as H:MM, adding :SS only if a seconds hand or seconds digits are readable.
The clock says 3:02:05
